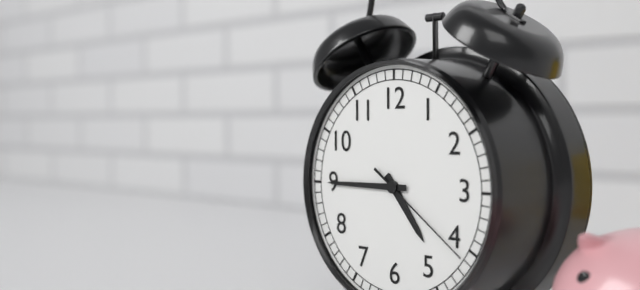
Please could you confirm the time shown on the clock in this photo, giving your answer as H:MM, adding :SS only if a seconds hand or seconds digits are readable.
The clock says 4:45:21
